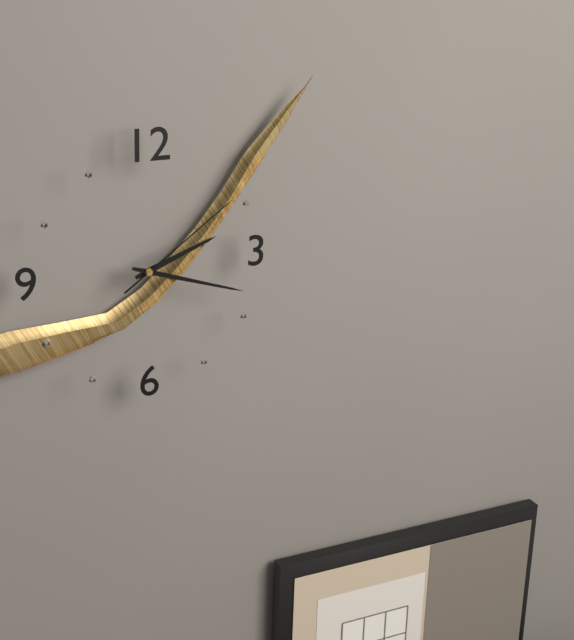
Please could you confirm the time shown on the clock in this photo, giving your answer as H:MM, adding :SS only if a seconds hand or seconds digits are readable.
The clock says 2:18:09
